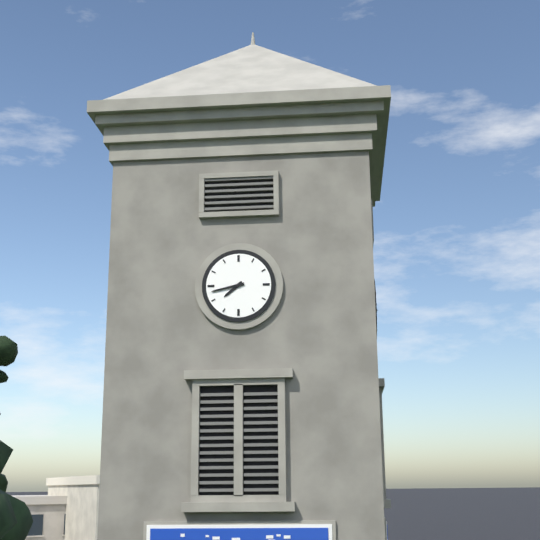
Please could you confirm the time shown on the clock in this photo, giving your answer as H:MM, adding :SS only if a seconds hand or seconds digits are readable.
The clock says 7:43
